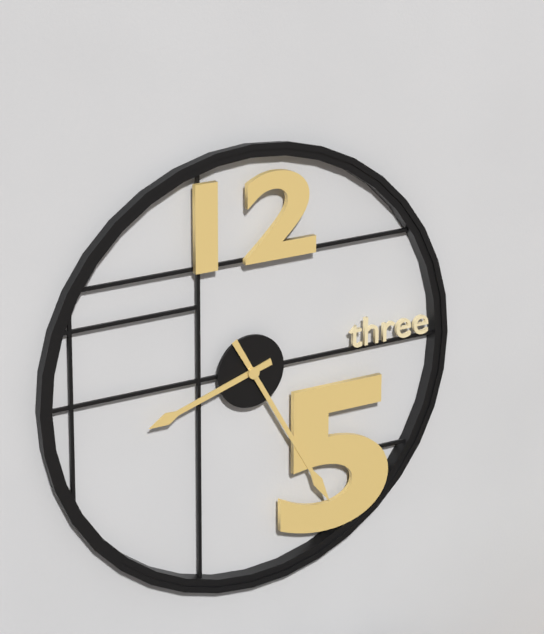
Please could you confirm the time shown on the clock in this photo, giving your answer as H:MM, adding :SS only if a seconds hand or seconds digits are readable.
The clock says 8:25
